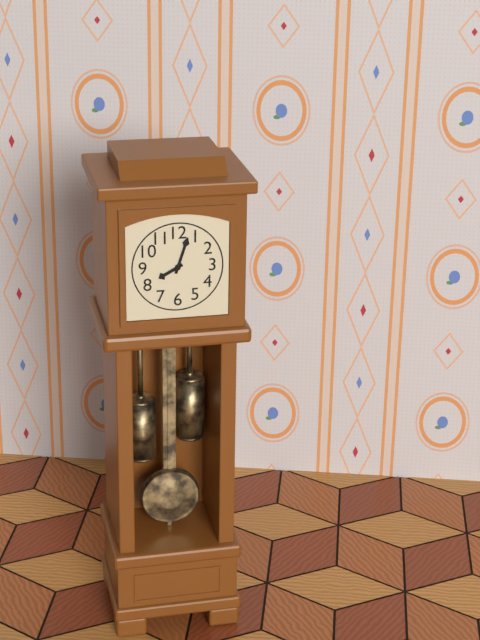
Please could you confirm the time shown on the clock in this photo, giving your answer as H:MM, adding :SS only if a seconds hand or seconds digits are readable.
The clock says 8:03
